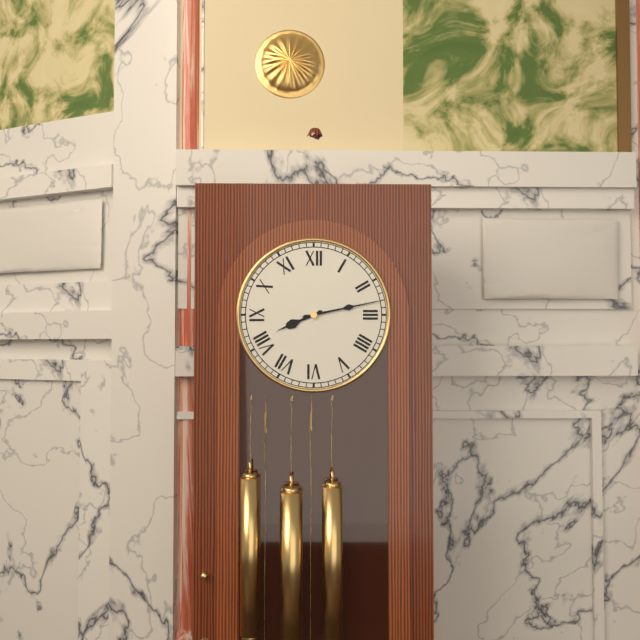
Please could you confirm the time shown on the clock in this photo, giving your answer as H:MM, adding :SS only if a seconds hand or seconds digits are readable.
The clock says 8:13
